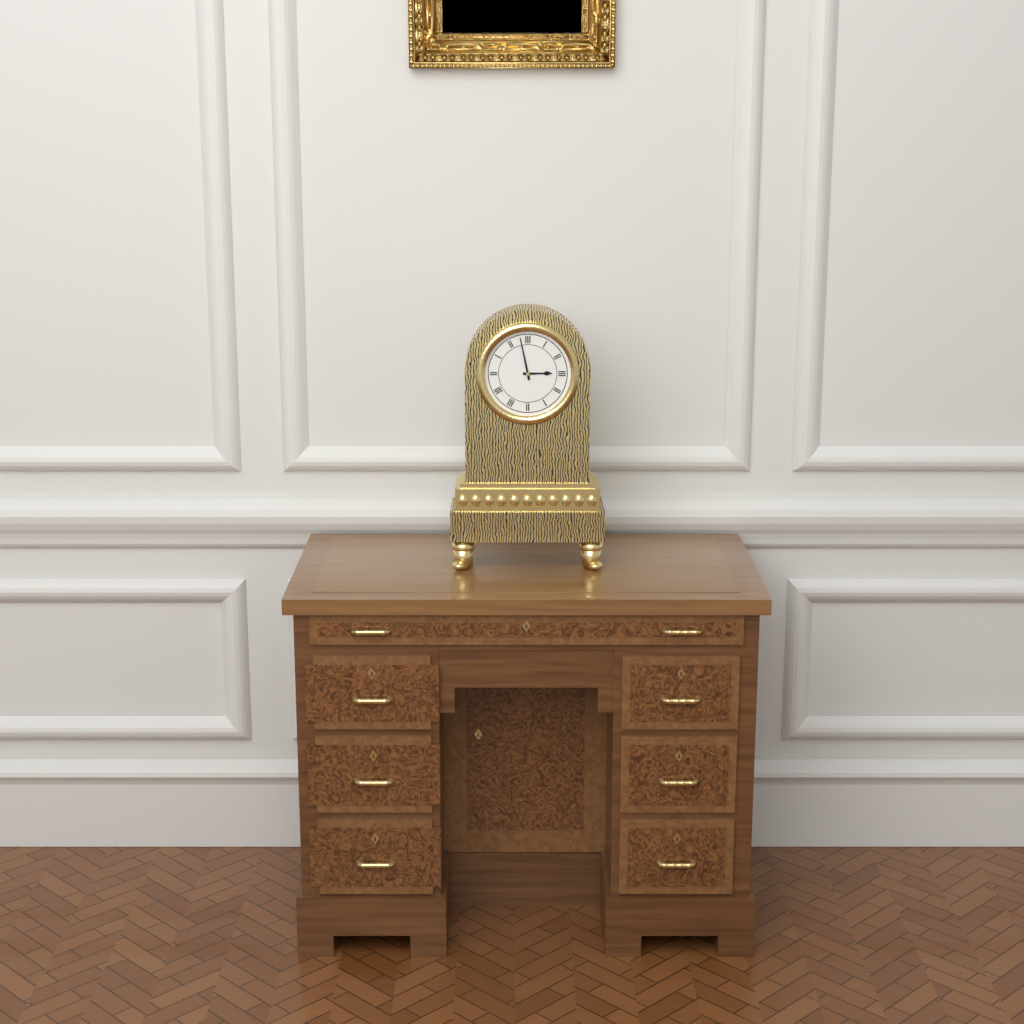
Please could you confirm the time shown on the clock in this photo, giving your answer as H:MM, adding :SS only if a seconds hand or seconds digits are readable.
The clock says 2:58
